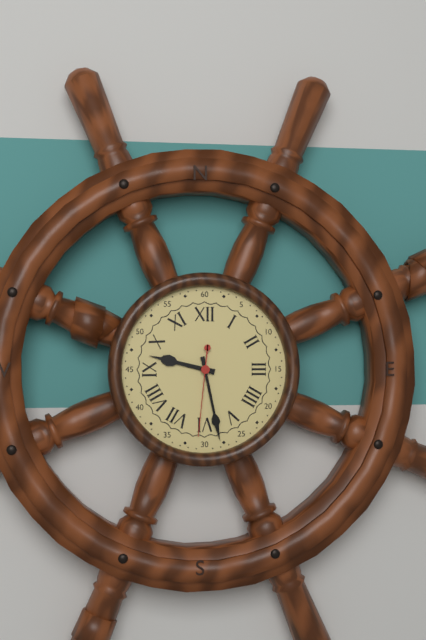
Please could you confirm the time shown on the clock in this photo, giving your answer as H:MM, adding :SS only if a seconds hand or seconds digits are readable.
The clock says 9:28:31
